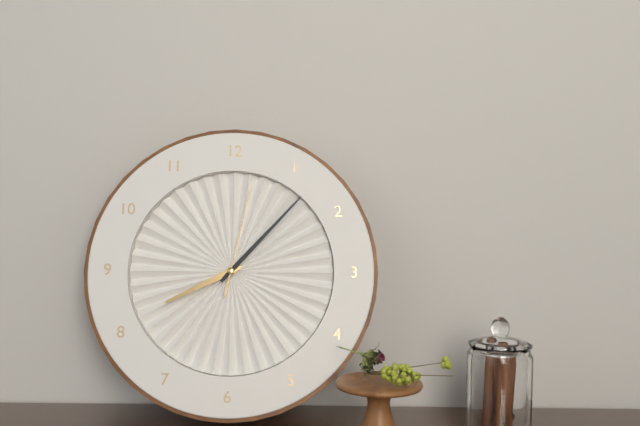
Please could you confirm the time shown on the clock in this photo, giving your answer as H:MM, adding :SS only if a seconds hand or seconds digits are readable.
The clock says 8:07:02
